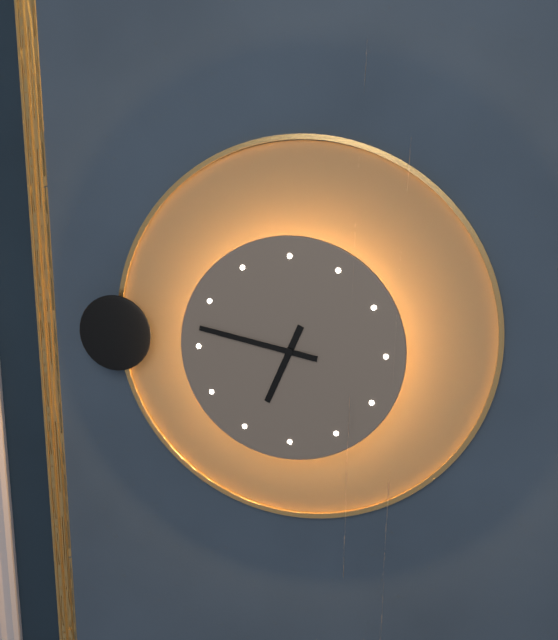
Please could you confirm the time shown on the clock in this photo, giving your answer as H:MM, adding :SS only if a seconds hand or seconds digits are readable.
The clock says 6:47
